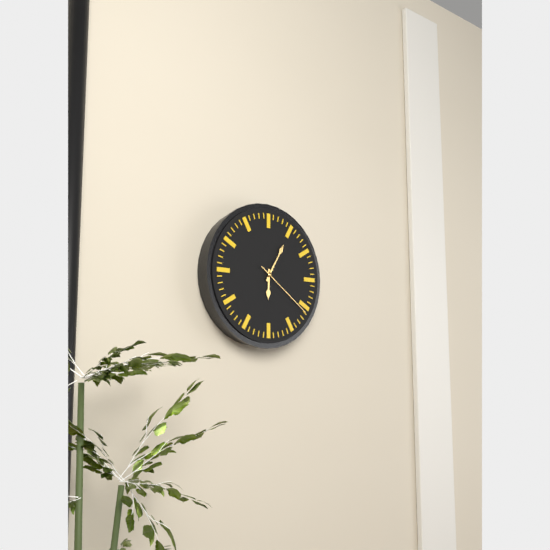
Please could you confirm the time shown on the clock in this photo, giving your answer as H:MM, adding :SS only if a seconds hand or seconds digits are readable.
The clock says 6:05:21
